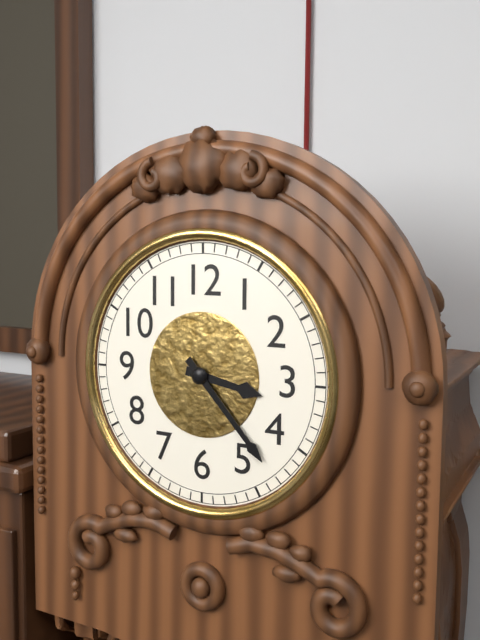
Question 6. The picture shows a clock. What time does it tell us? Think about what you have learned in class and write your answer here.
3:23
